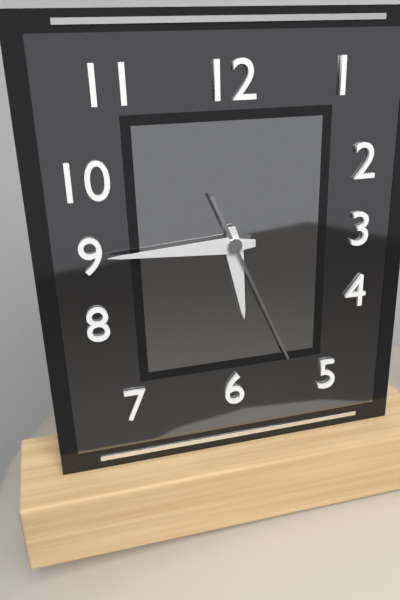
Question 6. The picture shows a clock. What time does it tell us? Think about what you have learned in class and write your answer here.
5:45:26
